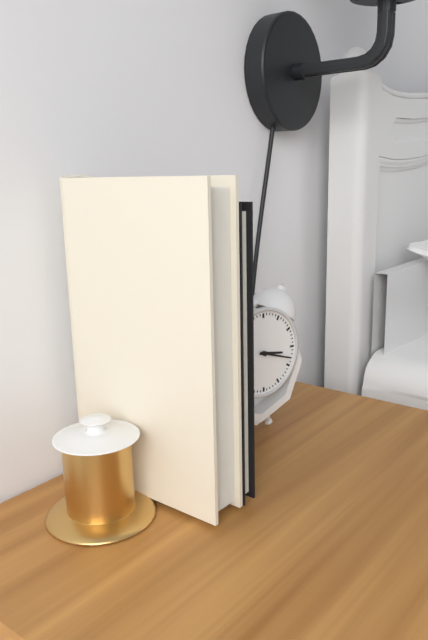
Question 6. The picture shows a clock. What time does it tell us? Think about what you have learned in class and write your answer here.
3:18
